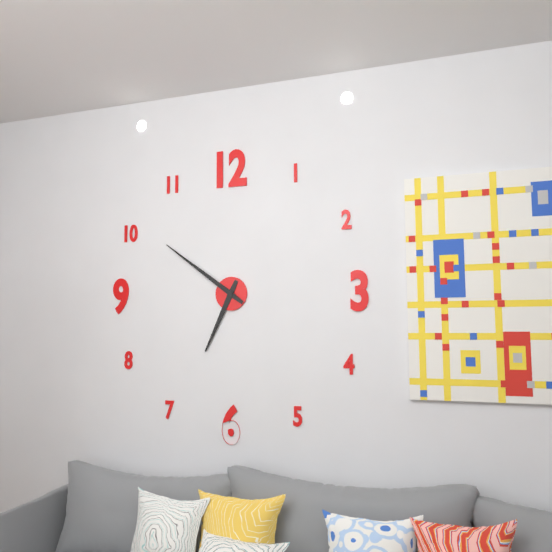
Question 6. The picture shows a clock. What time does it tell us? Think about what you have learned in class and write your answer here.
6:51
